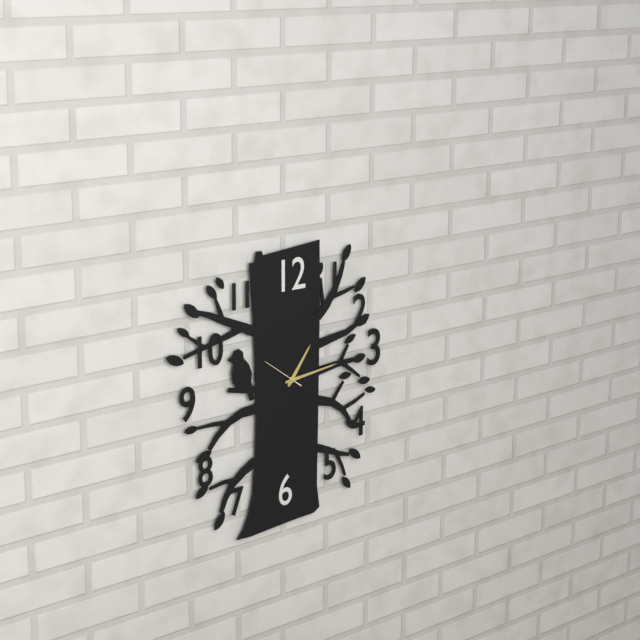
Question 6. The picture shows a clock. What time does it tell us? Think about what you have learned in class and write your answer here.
1:14
